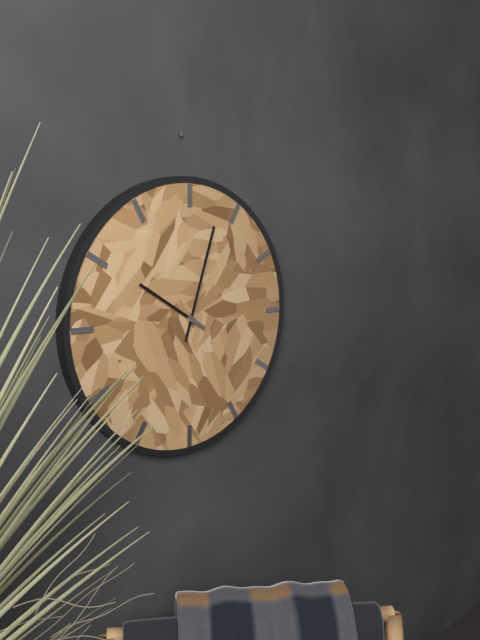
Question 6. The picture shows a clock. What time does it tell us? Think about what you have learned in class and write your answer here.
10:03
